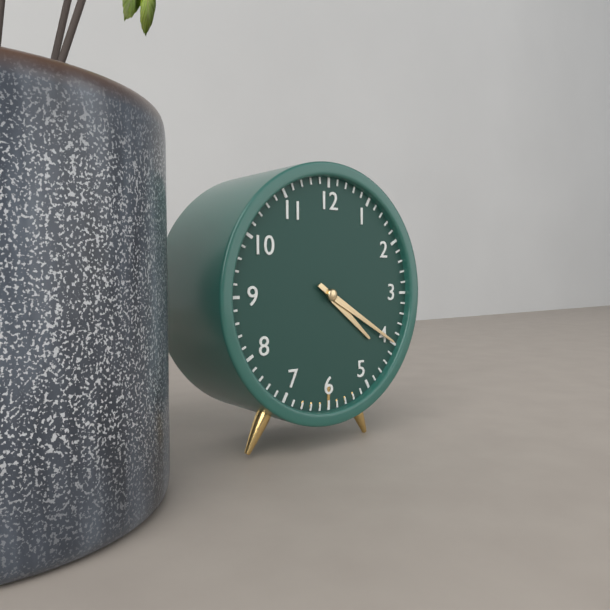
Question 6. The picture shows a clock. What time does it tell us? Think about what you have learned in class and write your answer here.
4:20
